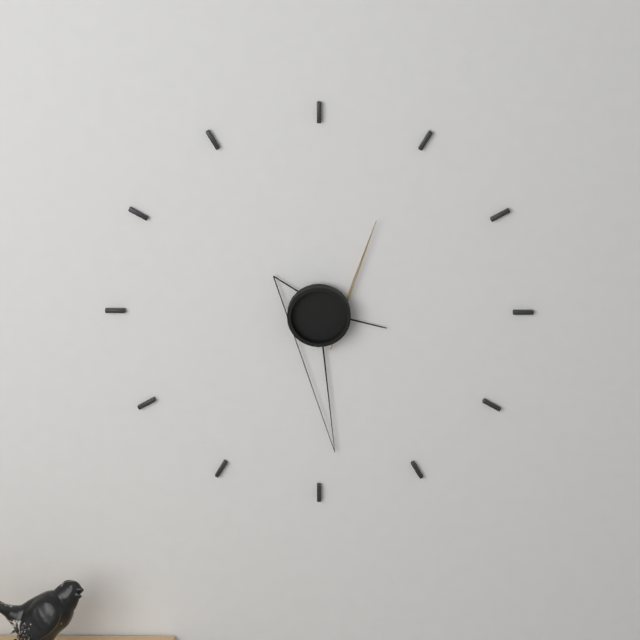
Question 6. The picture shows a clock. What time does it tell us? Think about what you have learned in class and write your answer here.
3:29:05
